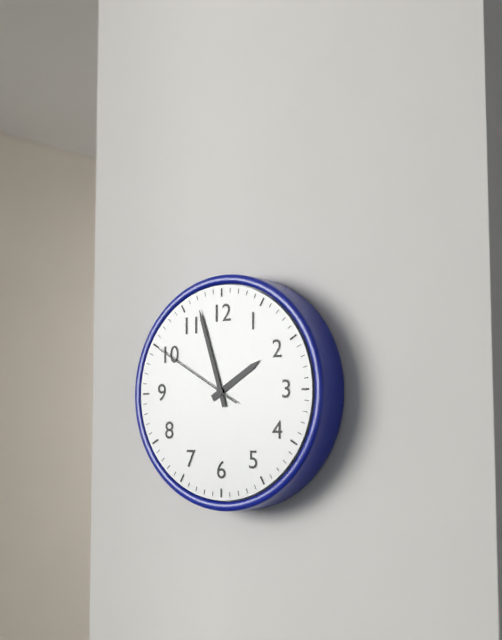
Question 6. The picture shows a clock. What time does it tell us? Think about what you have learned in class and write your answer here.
1:57:50
